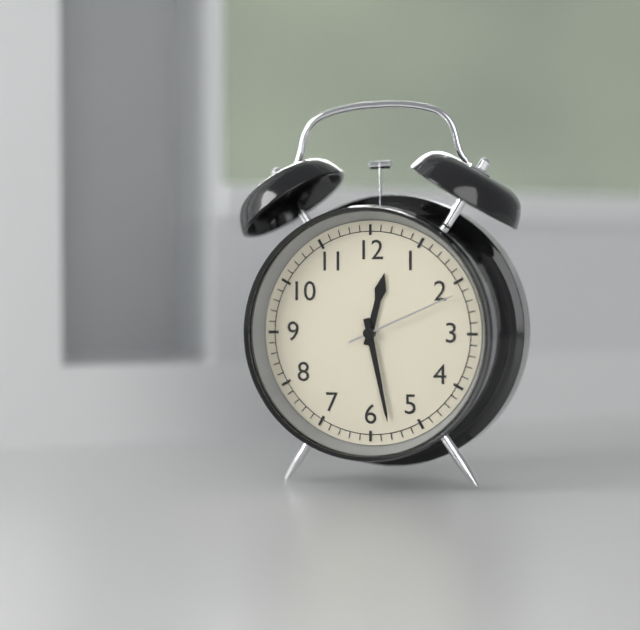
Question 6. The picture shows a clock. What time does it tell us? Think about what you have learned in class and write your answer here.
12:28:11
